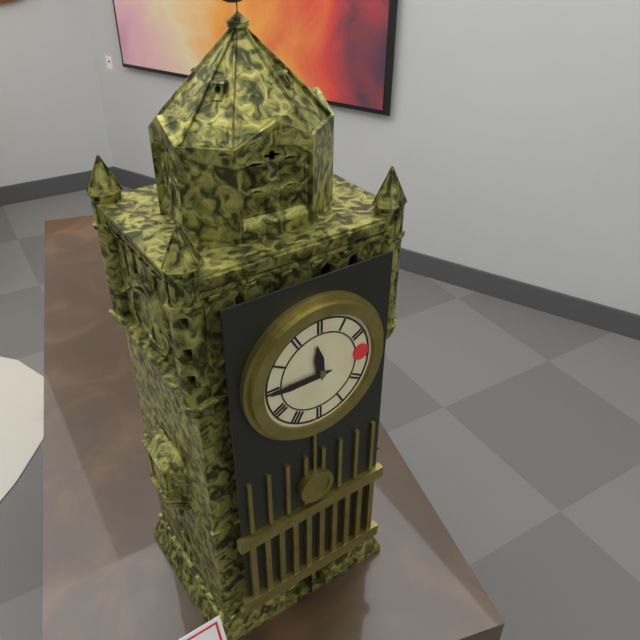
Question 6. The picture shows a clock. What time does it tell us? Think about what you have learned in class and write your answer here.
11:45
